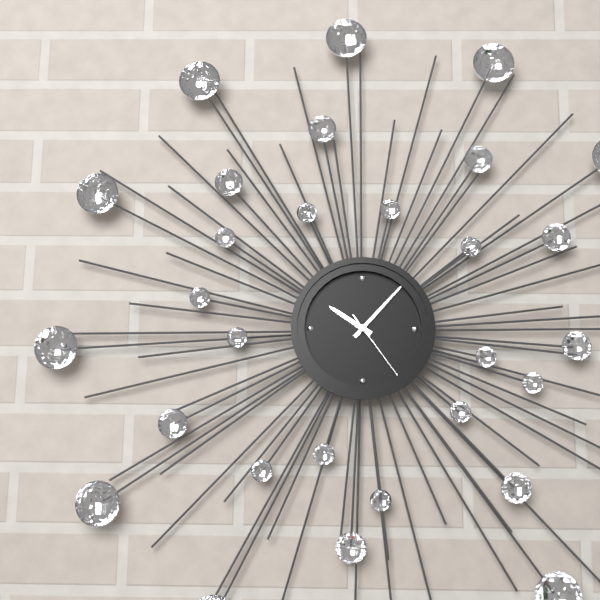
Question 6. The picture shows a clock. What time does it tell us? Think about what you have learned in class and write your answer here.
10:07:24
